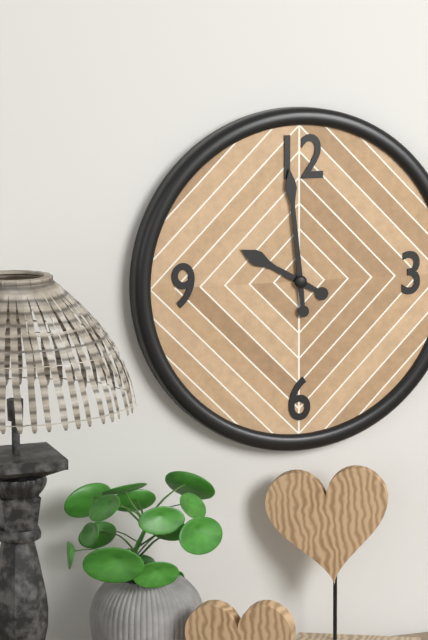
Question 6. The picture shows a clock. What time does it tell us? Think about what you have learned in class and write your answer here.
9:59
